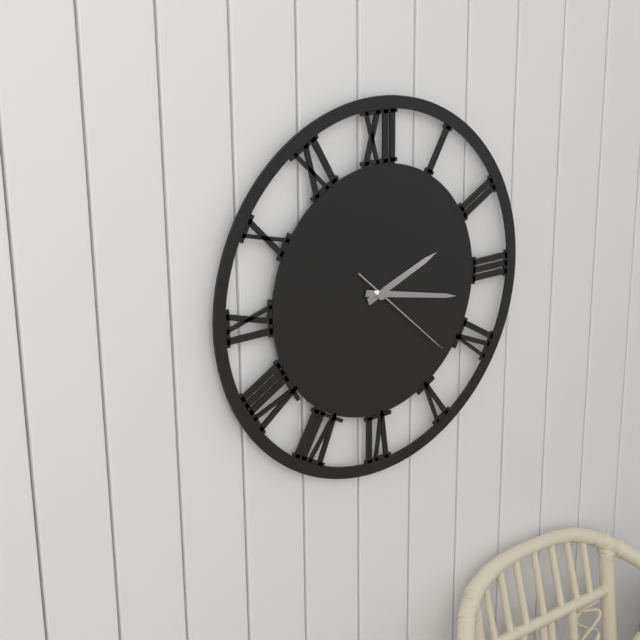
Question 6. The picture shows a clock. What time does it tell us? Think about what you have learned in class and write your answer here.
2:17:22
